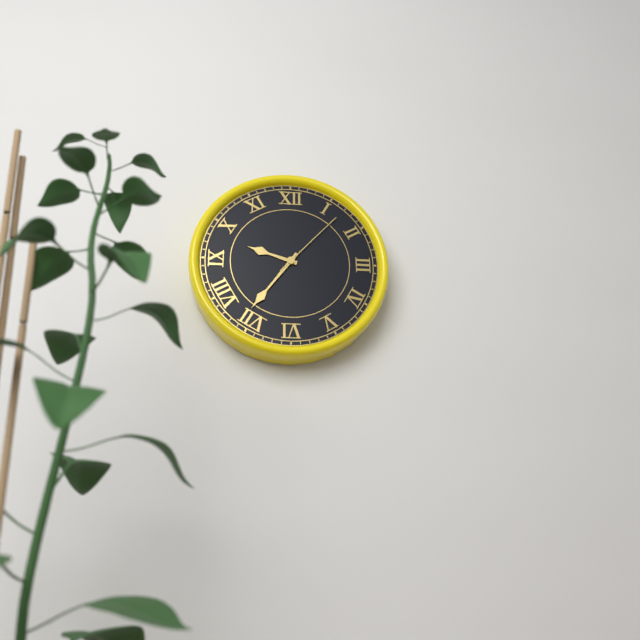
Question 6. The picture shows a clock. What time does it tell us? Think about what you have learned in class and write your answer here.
9:36:07
